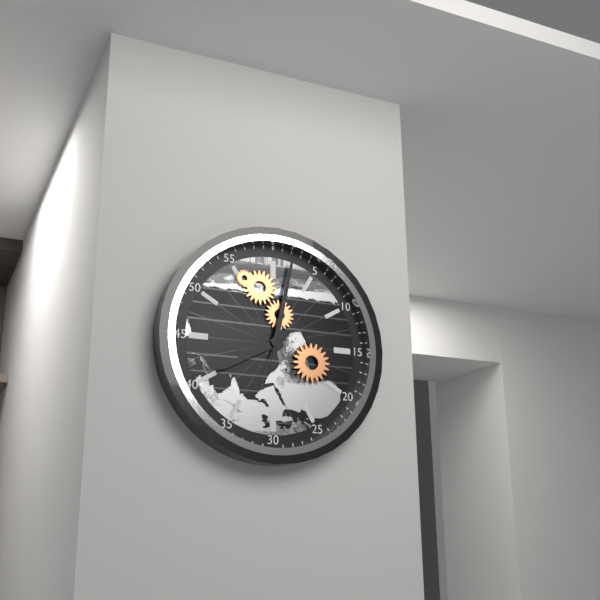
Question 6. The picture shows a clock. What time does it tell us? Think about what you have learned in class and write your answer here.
8:02
